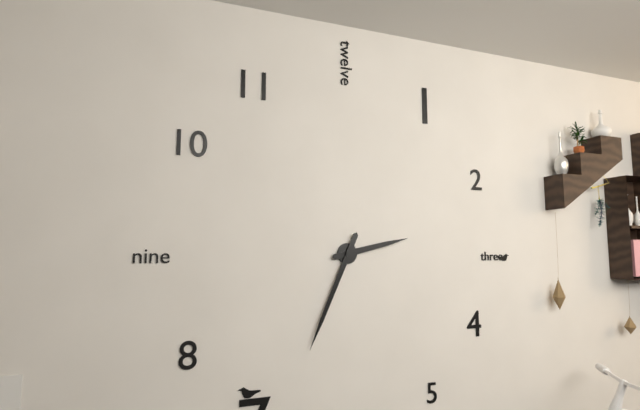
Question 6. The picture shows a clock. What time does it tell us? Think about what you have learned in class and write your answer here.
2:34
